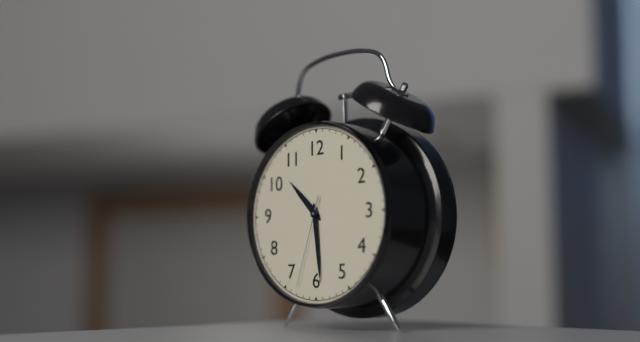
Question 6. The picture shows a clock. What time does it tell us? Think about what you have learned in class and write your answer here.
10:29:33
